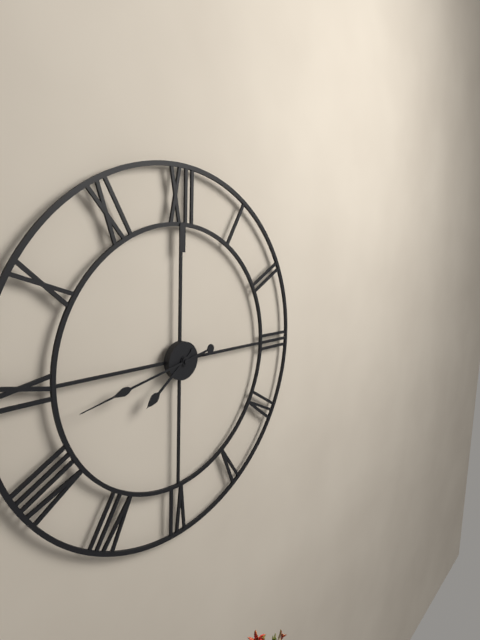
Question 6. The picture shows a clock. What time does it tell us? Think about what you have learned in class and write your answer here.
7:43
